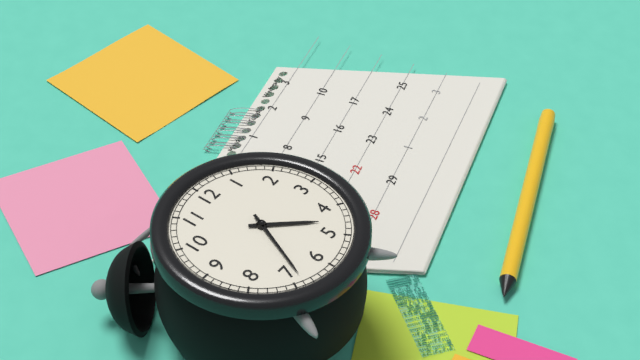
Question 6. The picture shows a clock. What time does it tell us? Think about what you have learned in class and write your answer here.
4:34
